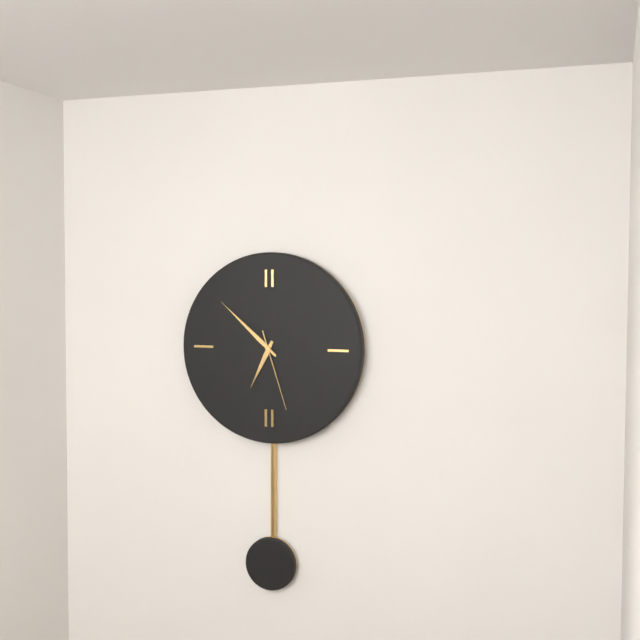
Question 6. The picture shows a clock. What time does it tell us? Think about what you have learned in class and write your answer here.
6:52:27
